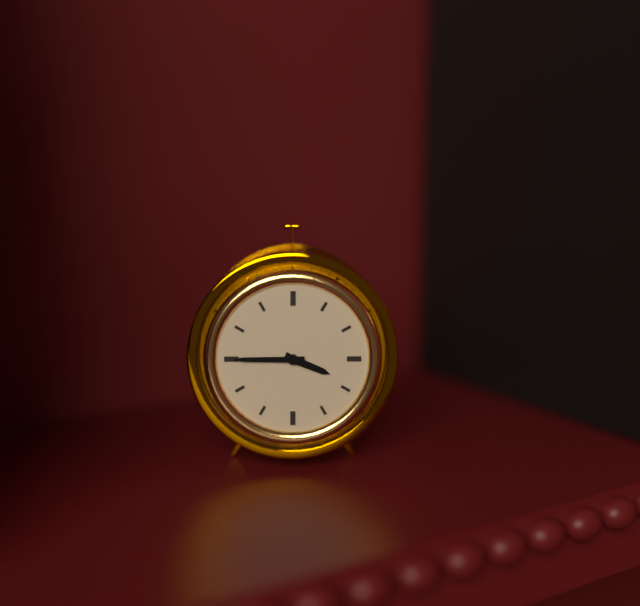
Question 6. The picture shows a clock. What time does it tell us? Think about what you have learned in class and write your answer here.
3:45
